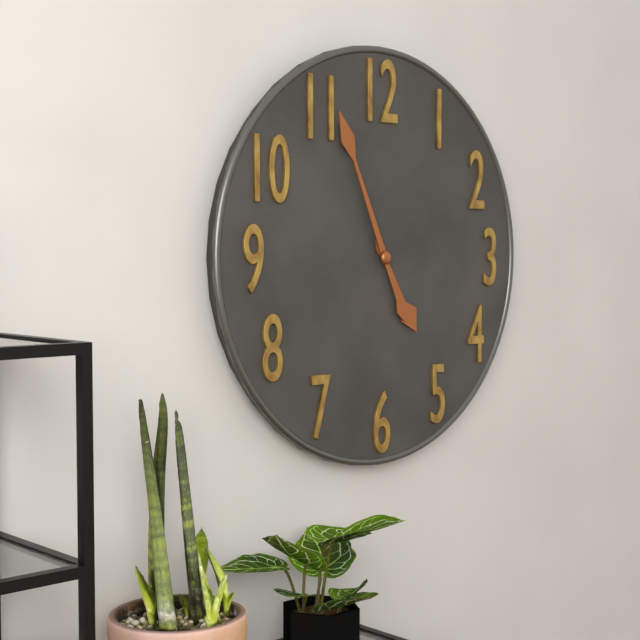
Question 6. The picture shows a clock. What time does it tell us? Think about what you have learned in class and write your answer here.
4:56
